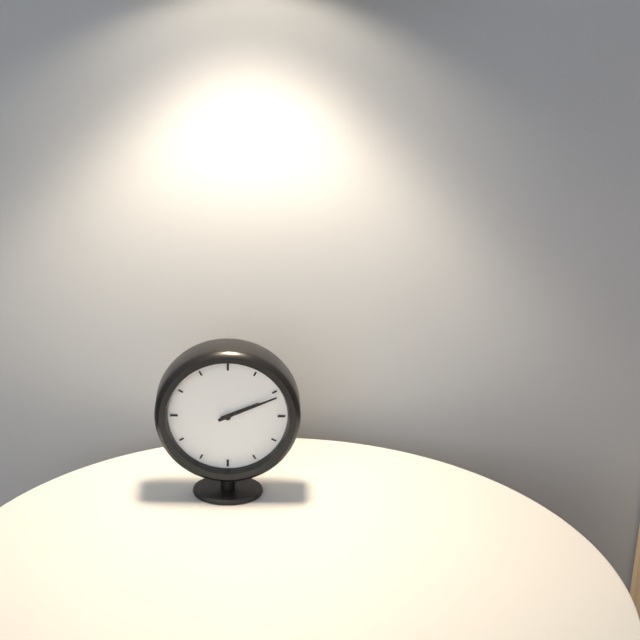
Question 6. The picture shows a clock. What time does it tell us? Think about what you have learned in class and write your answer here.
2:11
